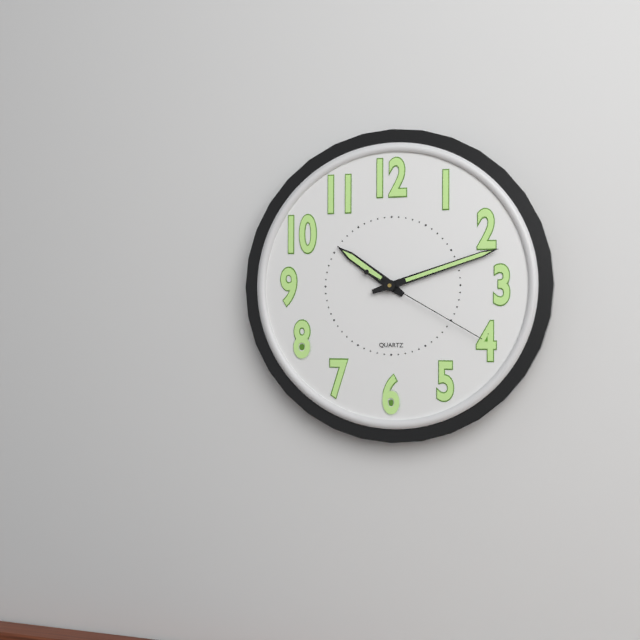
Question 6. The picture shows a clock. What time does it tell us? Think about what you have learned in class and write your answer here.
10:12:20
